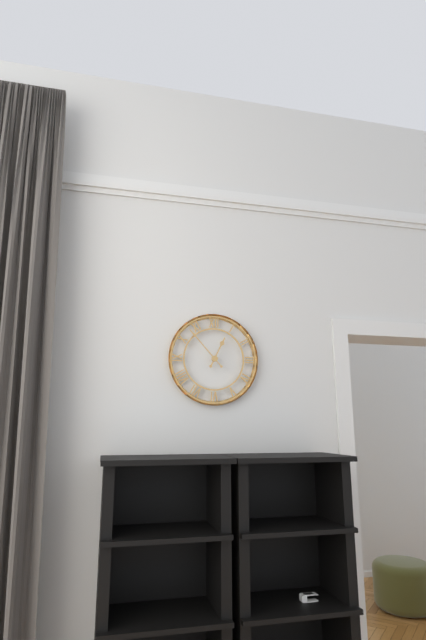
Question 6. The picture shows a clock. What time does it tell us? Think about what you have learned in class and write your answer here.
12:53
